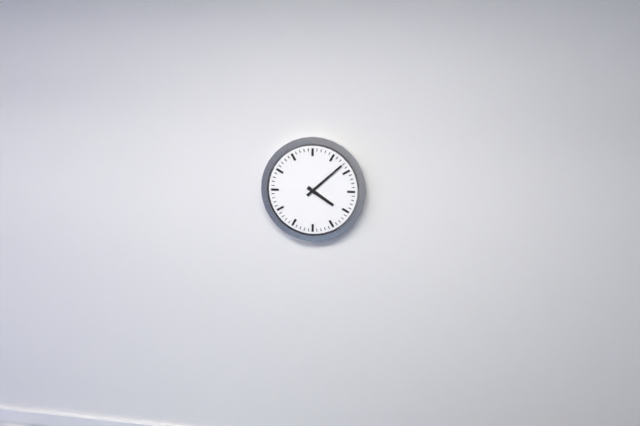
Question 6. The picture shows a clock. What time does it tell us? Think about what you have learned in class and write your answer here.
4:08
